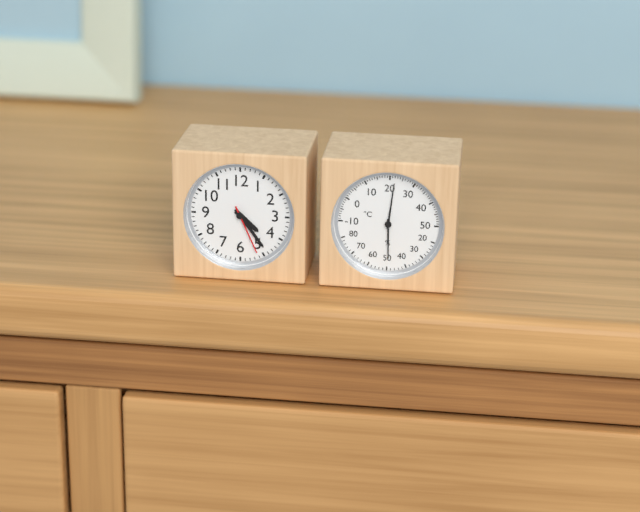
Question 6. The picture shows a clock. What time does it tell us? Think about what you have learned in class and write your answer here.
4:24
